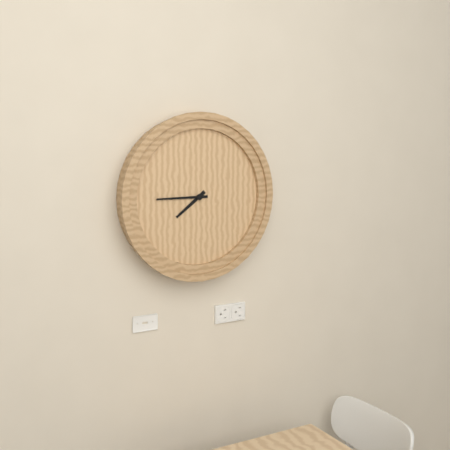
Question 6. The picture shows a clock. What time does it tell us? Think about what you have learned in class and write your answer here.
7:45
